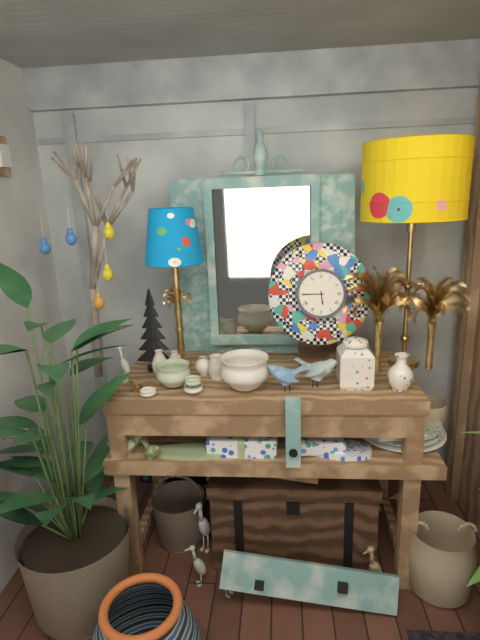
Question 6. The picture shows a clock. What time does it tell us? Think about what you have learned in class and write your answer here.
5:45
